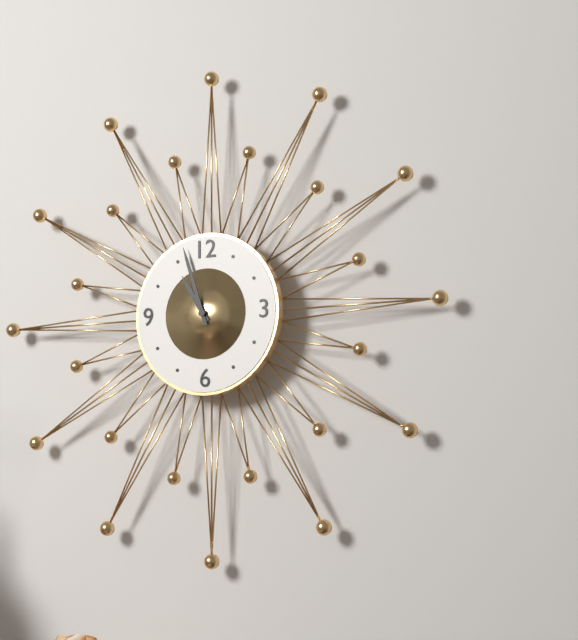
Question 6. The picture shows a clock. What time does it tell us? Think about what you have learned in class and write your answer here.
10:57
